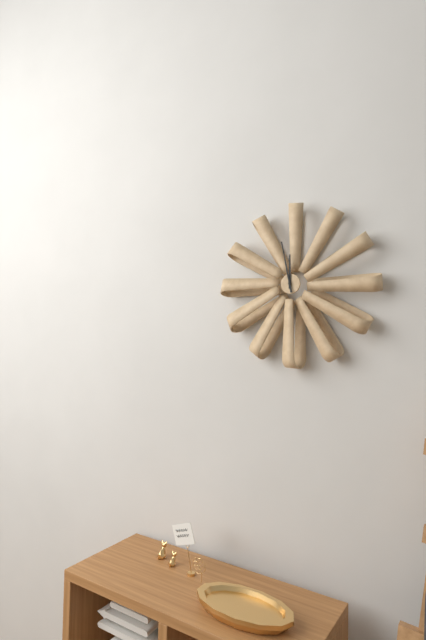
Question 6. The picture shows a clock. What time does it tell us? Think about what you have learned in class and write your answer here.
11:58
